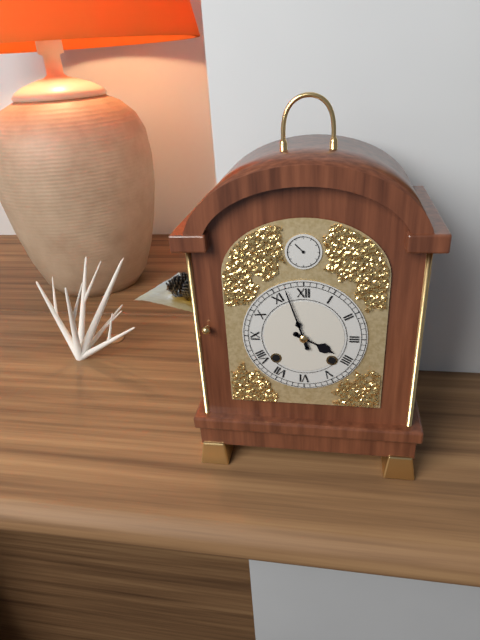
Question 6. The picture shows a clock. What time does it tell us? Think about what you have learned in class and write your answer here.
3:57
